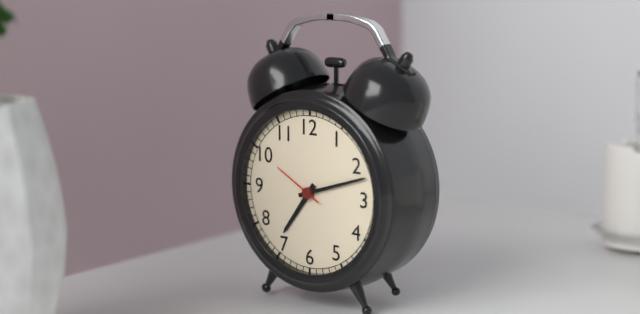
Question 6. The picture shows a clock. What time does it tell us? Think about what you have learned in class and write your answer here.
7:12:50
